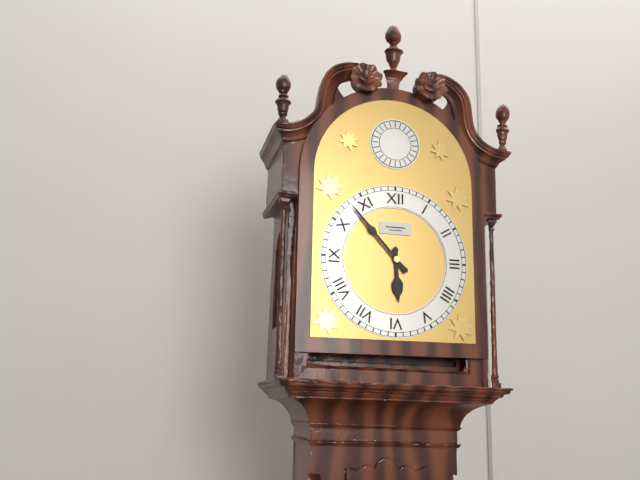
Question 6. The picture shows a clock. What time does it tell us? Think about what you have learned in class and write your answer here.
5:53
